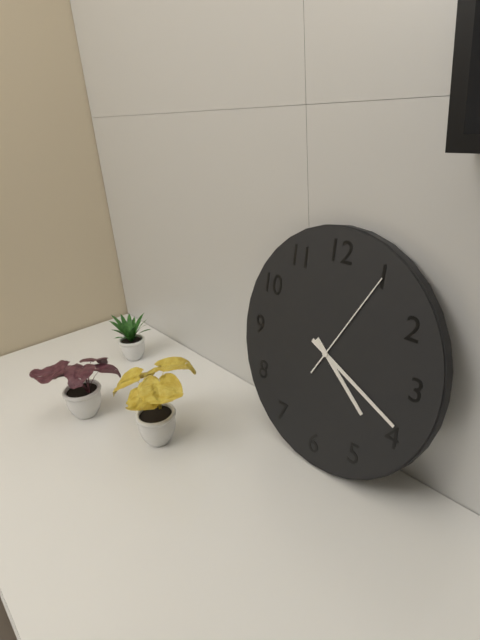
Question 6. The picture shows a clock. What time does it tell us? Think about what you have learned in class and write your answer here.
4:19:05
